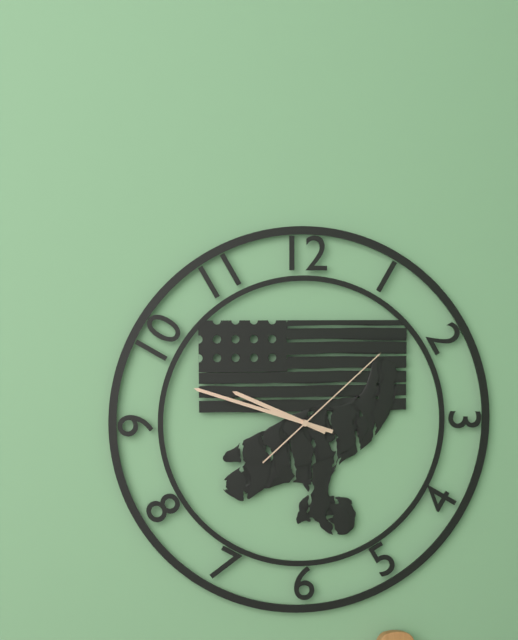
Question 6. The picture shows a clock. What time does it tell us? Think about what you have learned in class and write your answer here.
9:48:08
